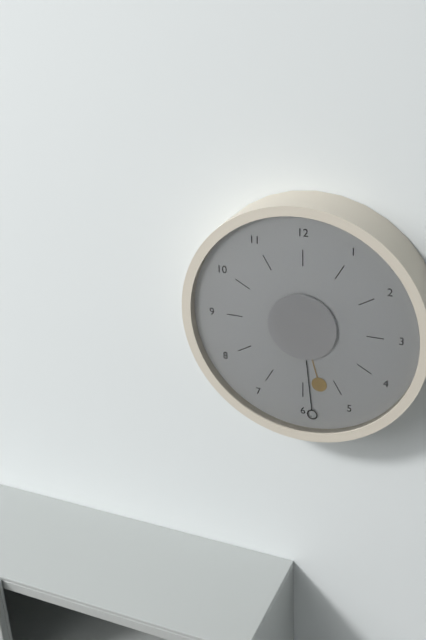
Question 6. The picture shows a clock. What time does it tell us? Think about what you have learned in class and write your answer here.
5:29
